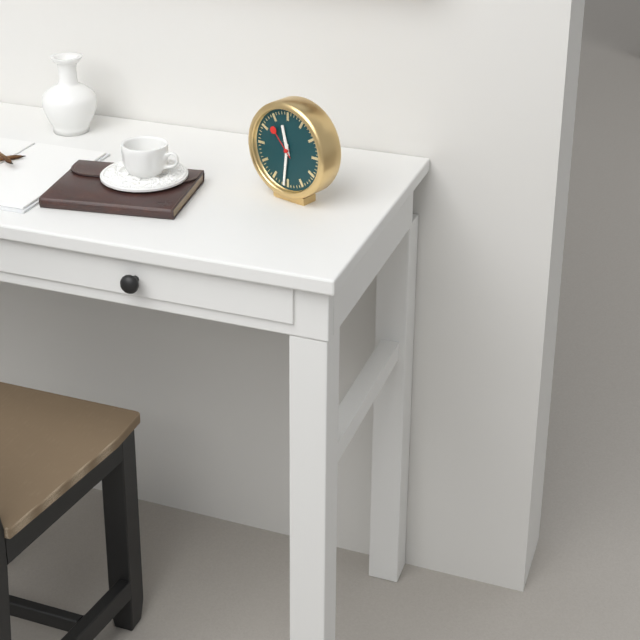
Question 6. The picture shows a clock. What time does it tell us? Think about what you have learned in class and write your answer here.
11:31
